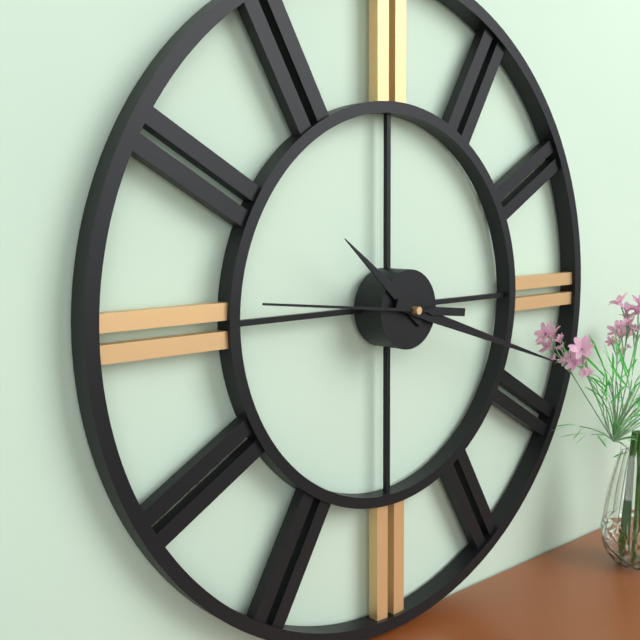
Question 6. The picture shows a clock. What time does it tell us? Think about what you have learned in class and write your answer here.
10:18:46
